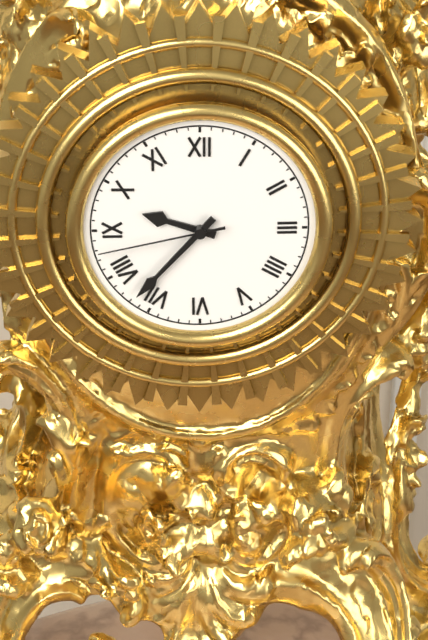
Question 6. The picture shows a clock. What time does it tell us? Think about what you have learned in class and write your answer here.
9:37:43
